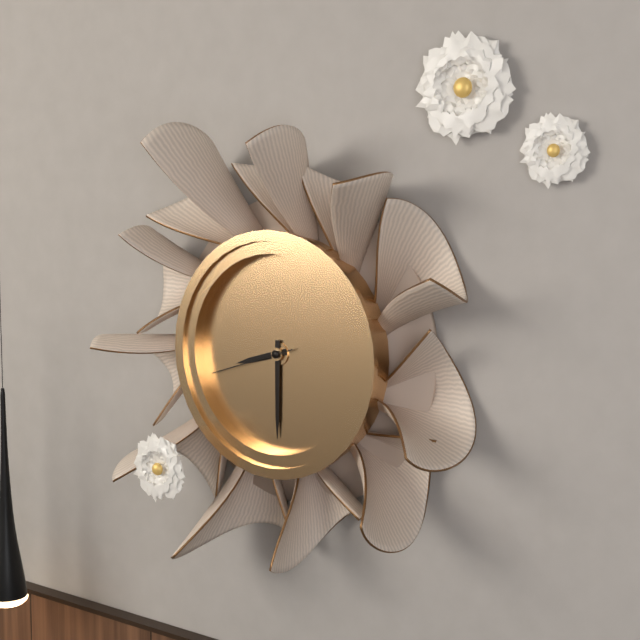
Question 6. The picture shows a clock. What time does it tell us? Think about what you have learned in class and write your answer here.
8:30:42
